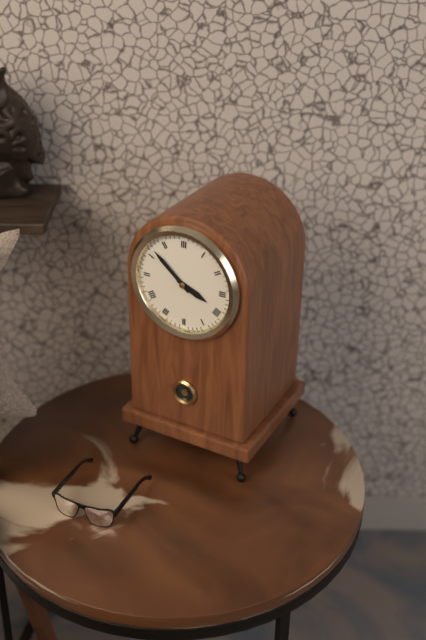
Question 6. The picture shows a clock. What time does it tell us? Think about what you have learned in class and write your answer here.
3:52
